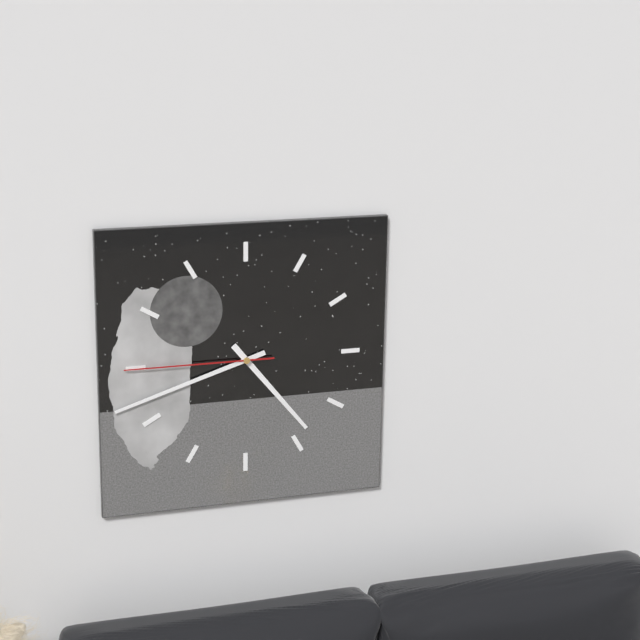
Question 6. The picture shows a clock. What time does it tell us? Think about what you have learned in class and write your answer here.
4:42:45
